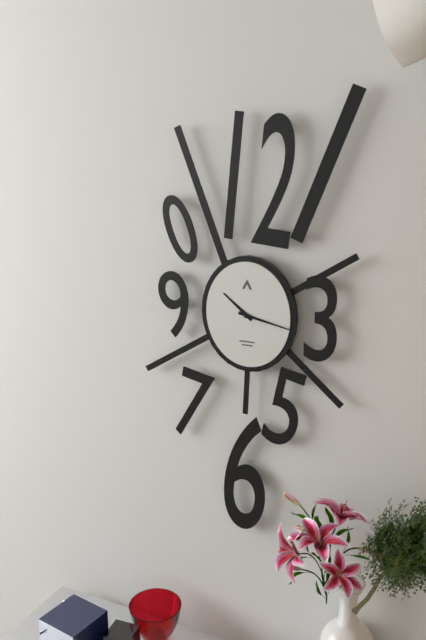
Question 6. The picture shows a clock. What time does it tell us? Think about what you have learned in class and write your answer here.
10:17
